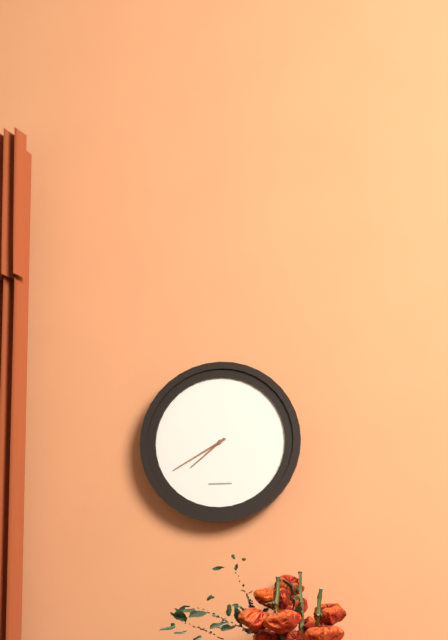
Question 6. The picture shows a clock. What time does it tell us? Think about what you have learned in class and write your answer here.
7:40
